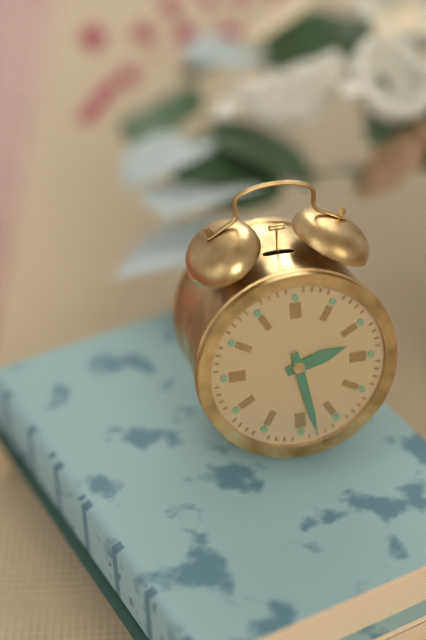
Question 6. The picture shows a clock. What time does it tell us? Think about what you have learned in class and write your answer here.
2:28
